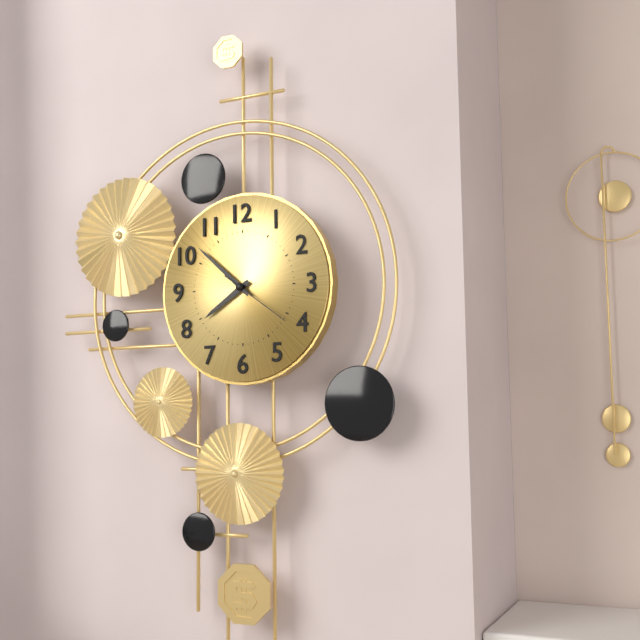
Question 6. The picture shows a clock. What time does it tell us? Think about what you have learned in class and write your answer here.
7:52:21
